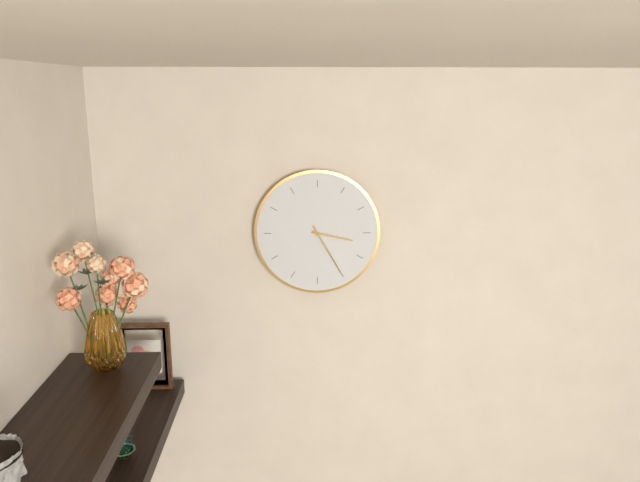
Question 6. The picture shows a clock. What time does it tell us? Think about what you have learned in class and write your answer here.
3:25
